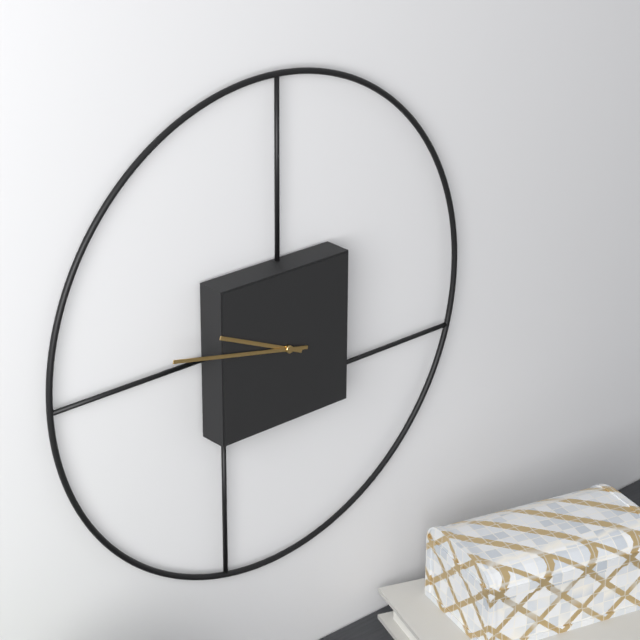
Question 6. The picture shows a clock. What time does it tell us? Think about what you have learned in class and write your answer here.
9:47
